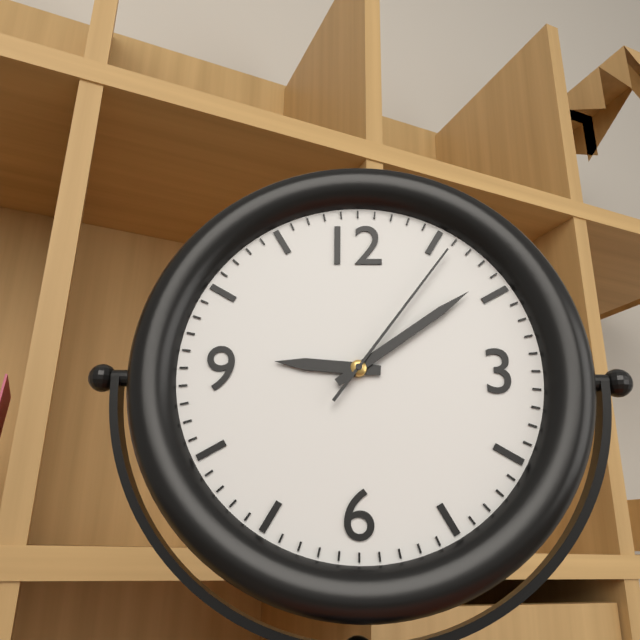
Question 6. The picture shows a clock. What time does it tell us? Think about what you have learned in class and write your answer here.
9:09:06
